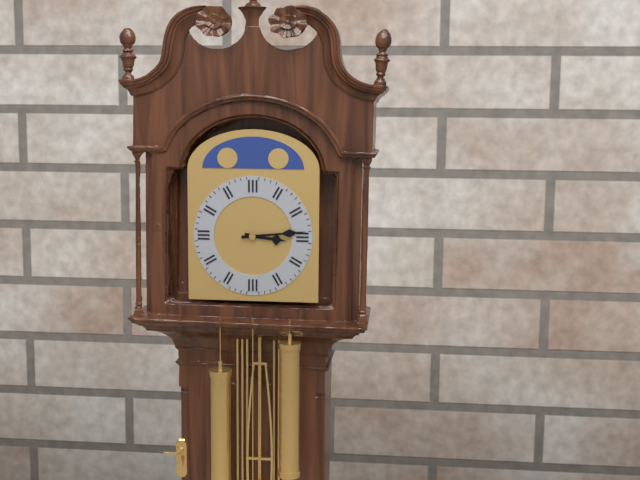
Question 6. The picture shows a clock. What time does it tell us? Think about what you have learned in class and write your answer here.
3:14
